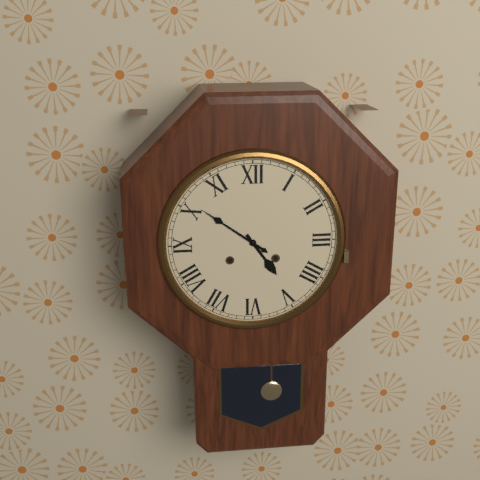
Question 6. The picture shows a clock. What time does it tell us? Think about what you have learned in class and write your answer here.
4:51
